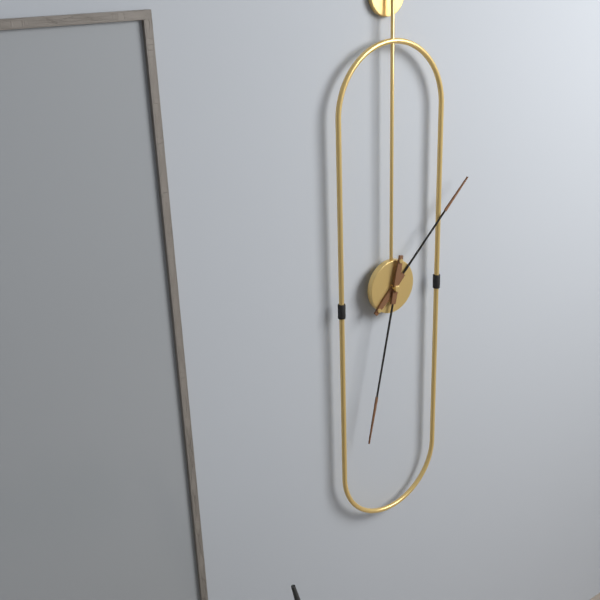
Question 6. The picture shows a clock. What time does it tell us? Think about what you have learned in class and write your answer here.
1:32
